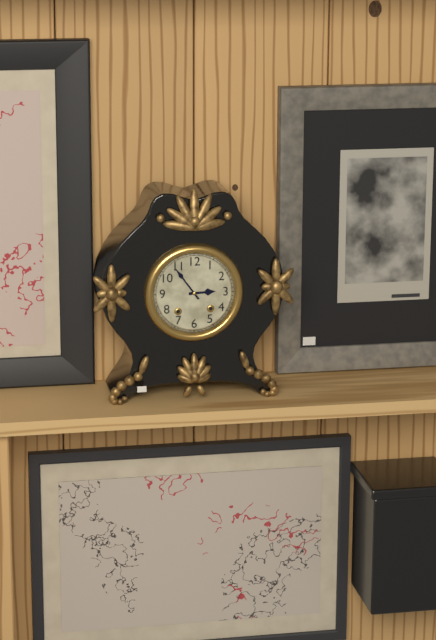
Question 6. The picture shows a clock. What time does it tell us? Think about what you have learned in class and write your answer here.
2:54
